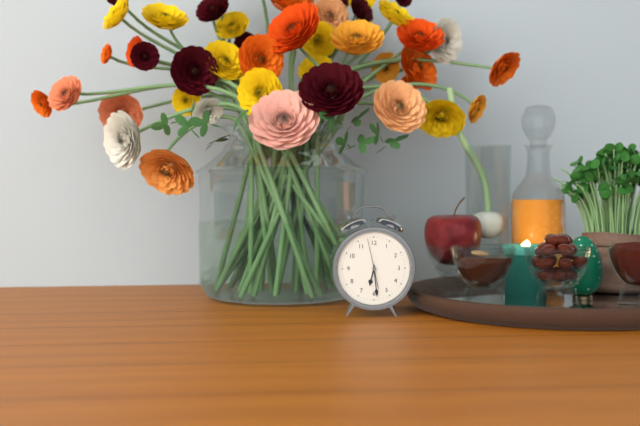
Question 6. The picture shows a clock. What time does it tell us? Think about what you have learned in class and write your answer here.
6:29
